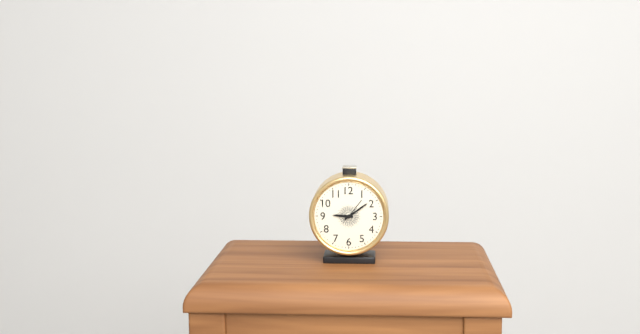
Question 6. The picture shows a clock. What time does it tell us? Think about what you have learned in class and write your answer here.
9:09
